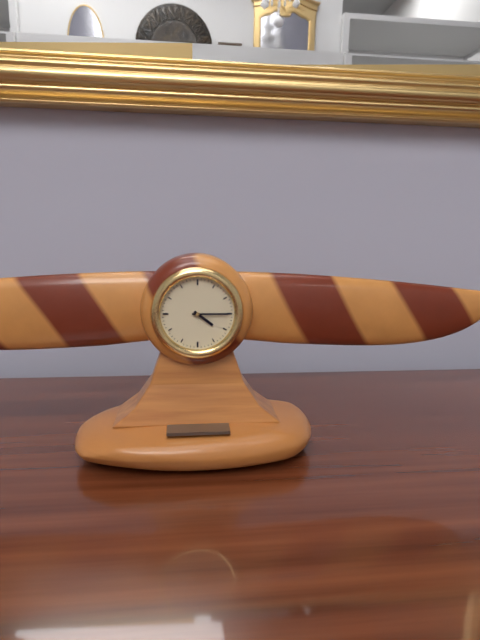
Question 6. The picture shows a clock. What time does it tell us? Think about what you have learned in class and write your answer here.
4:15
